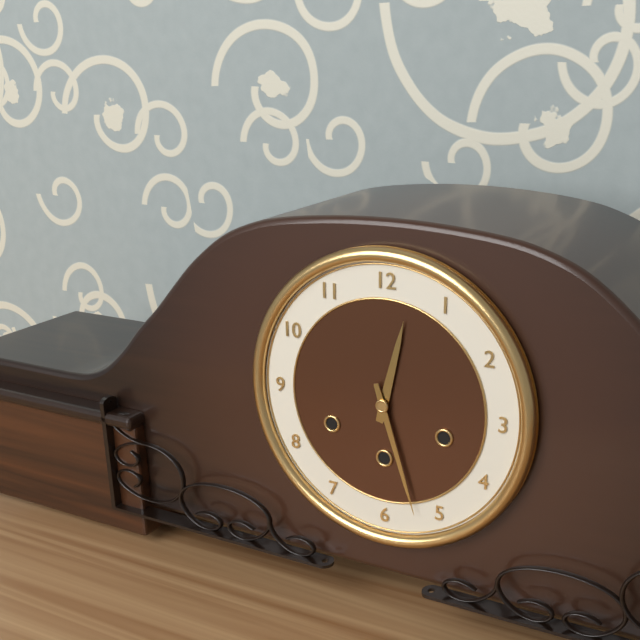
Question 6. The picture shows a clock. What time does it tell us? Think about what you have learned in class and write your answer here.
12:27
